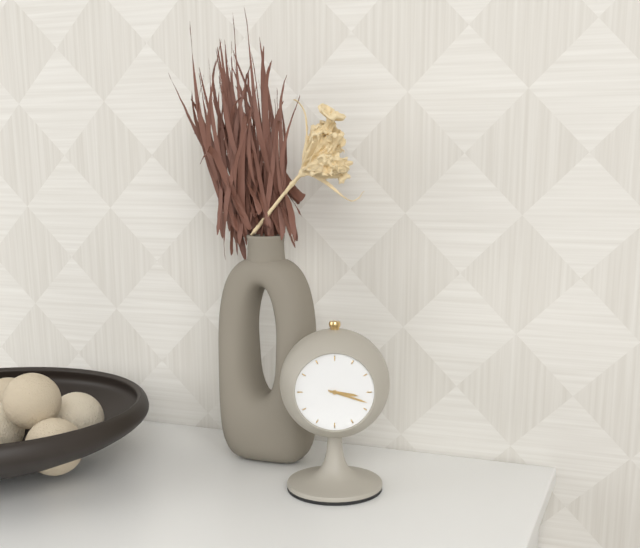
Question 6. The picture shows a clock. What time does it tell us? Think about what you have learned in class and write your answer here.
3:18
